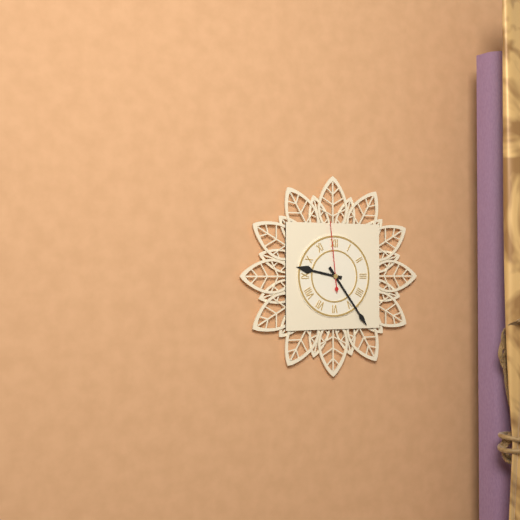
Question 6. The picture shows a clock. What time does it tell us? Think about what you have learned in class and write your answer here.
9:24:59
